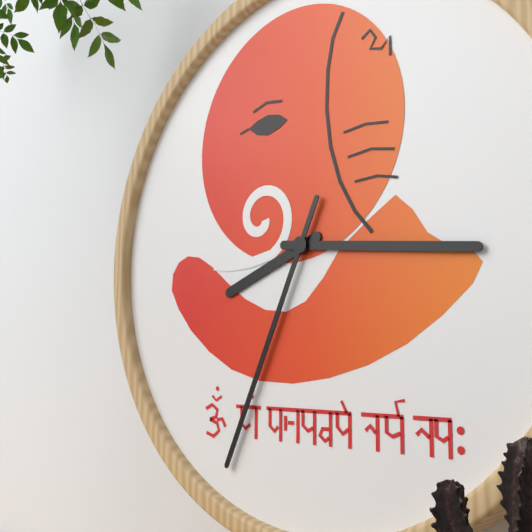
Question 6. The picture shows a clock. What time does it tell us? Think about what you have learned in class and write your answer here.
8:16:34
